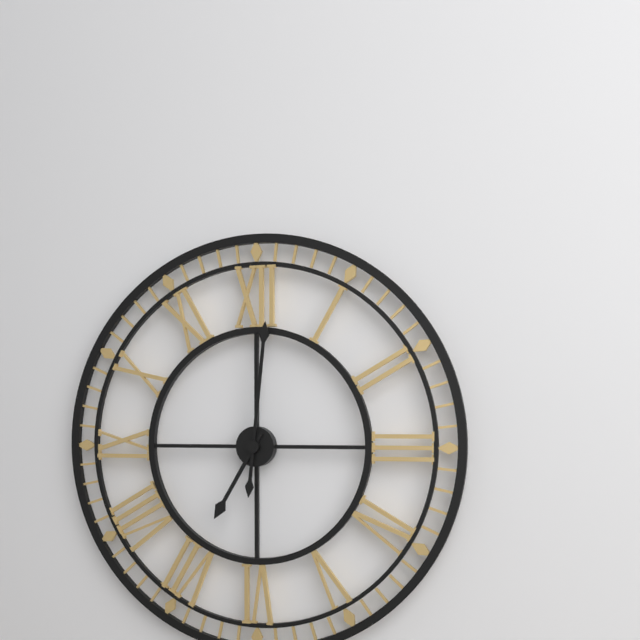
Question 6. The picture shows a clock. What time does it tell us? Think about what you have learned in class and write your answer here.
7:01
